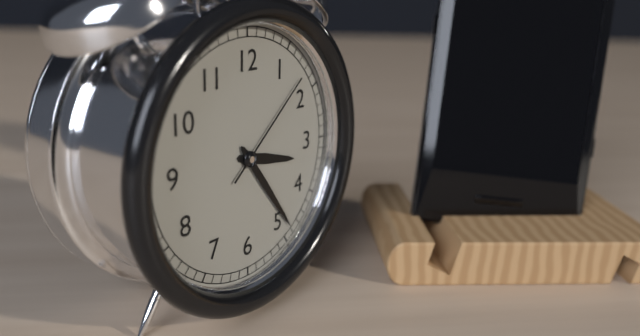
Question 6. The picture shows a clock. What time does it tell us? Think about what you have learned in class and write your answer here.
3:24:08
